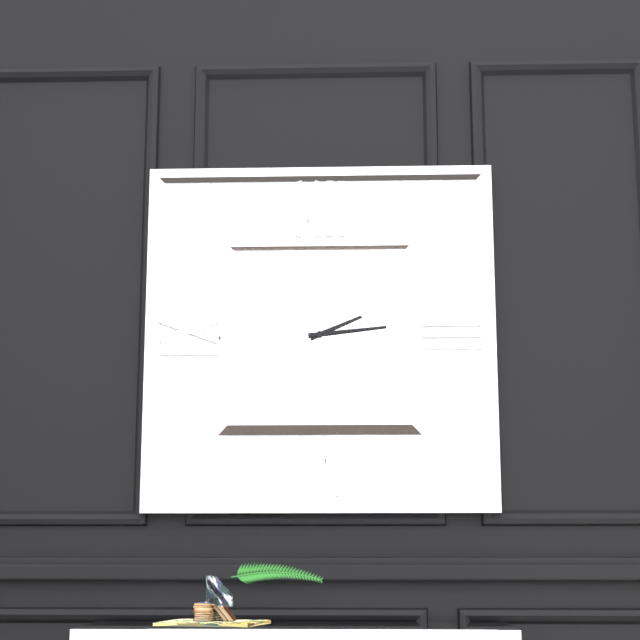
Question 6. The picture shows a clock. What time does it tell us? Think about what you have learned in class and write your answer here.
2:14
